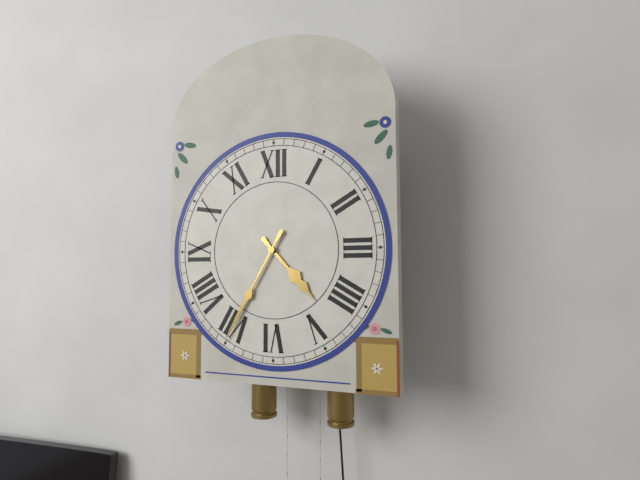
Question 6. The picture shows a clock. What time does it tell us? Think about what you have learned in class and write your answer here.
4:35
